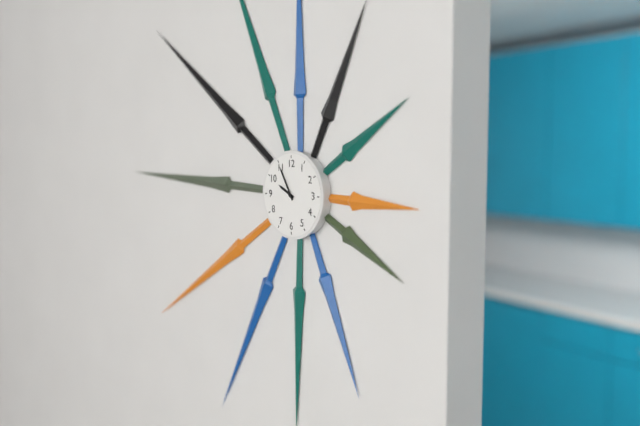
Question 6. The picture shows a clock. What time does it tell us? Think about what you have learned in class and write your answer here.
9:55
